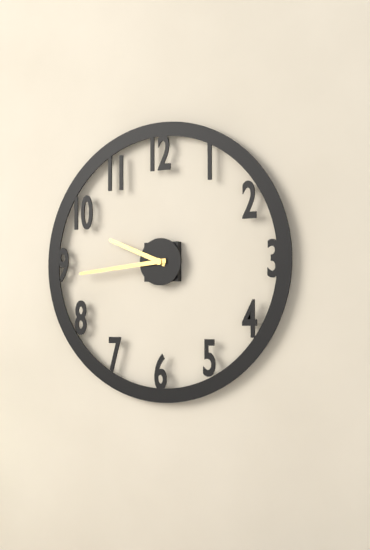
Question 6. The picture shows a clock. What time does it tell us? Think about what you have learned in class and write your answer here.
9:44
